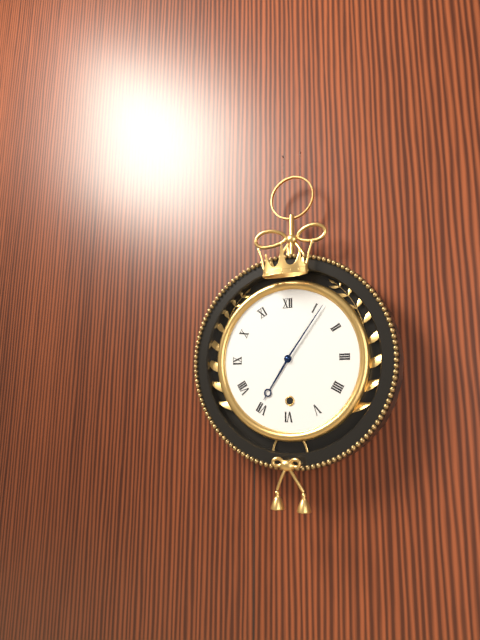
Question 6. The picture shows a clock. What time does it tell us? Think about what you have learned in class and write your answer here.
7:06
